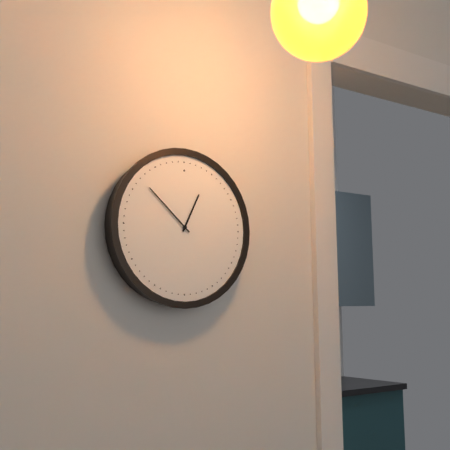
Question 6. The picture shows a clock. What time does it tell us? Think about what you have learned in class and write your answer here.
12:52
